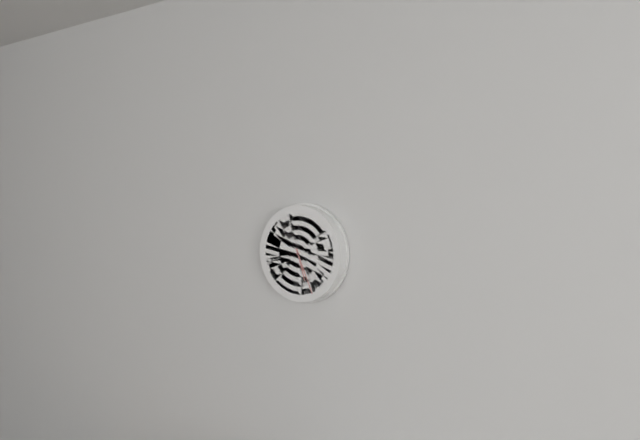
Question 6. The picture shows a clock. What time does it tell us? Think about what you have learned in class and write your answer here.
5:26
